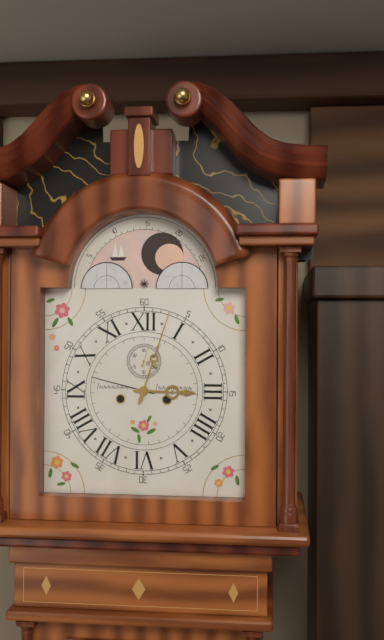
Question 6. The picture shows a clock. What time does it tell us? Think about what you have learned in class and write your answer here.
3:03
